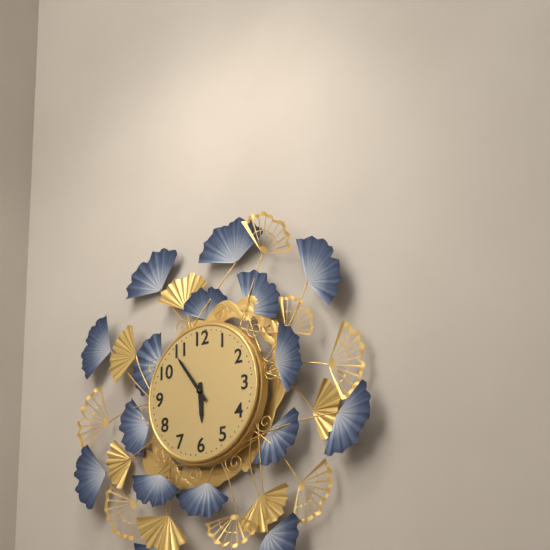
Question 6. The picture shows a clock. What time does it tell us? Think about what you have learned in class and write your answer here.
5:54
